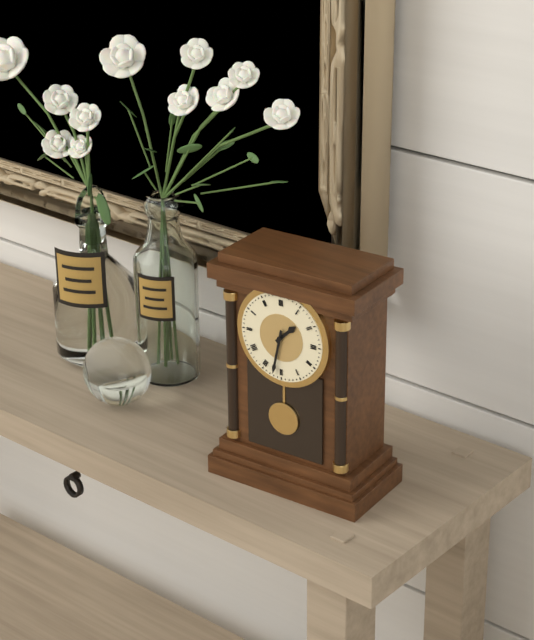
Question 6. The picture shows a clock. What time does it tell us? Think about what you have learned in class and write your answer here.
1:32
